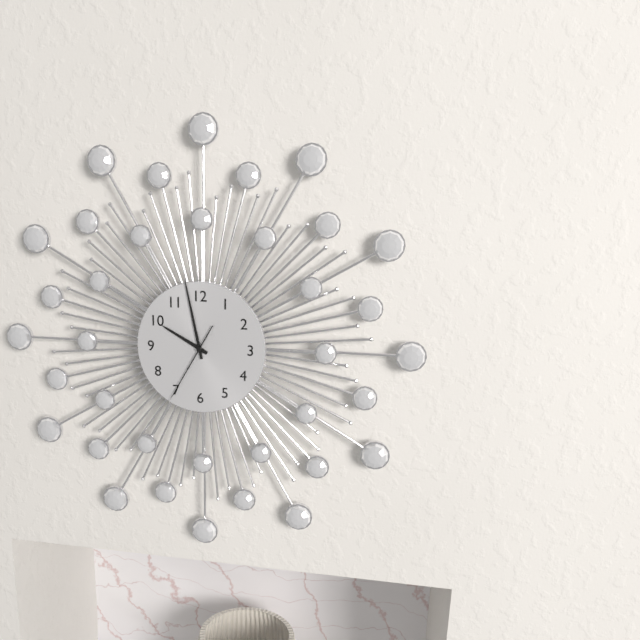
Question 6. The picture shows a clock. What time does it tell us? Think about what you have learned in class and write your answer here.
9:58:35
